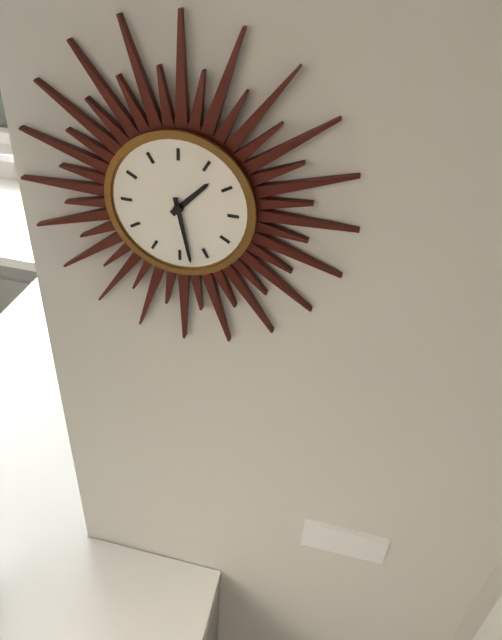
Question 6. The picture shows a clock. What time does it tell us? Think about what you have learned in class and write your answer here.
1:28
